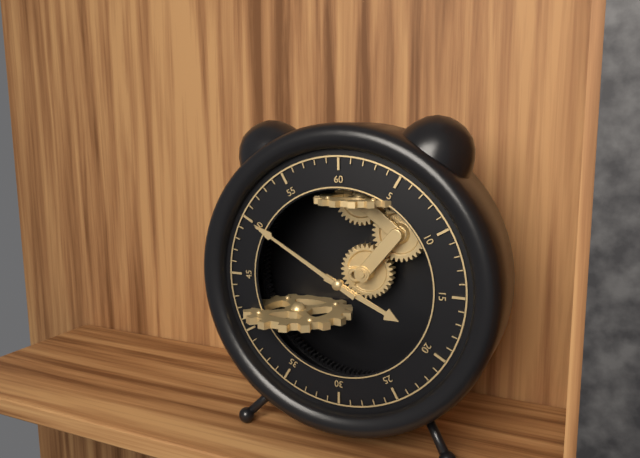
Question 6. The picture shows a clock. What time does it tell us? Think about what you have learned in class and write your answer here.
3:50
